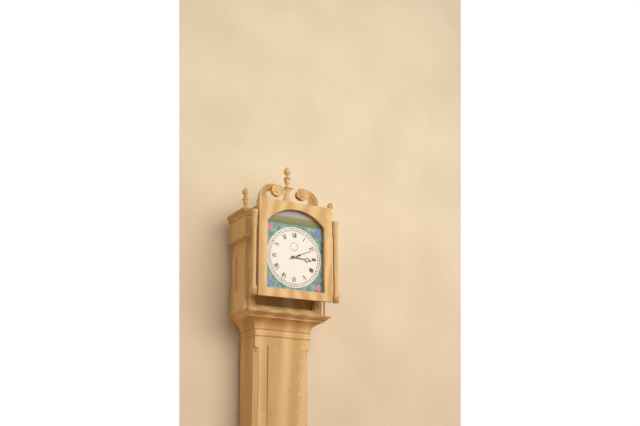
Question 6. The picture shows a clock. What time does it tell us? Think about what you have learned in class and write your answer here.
3:11
